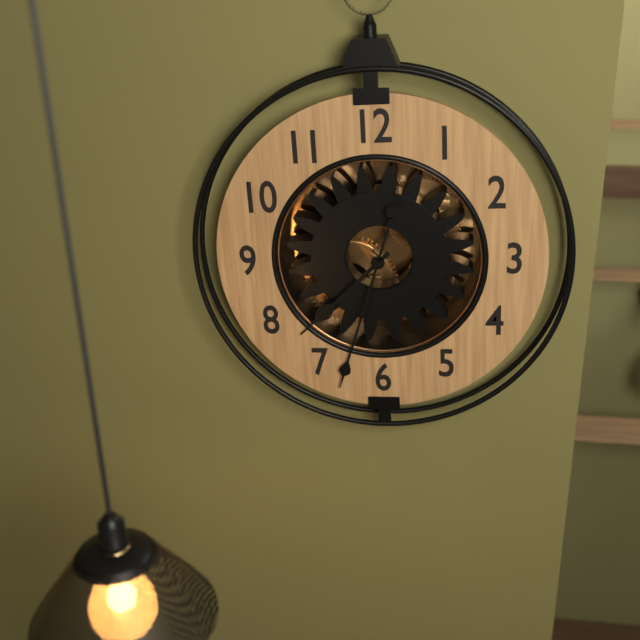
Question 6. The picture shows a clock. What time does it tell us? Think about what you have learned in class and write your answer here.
7:33
